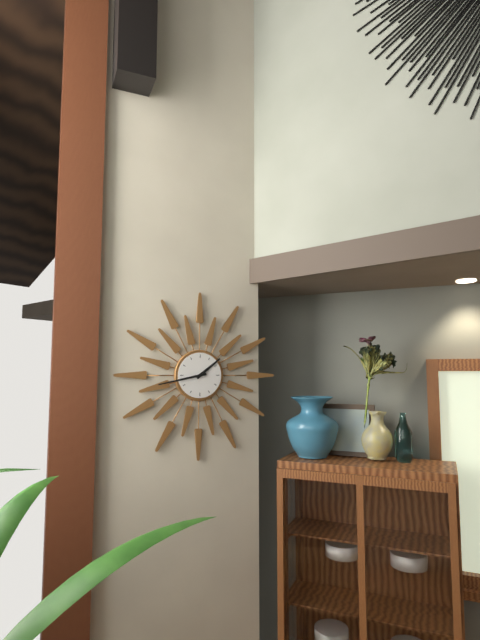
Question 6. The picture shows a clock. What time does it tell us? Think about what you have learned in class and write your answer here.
1:43
